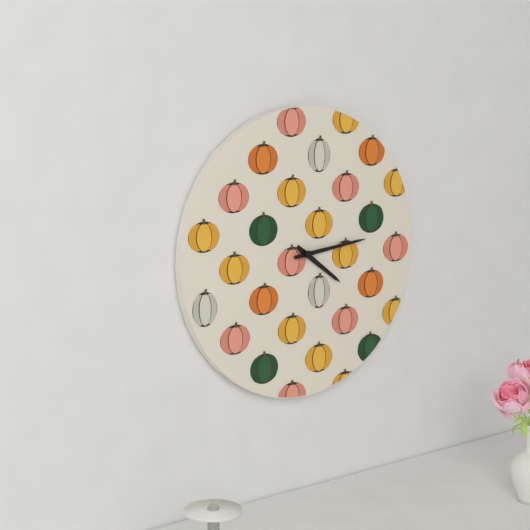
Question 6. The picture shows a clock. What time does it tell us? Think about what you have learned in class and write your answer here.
4:14
